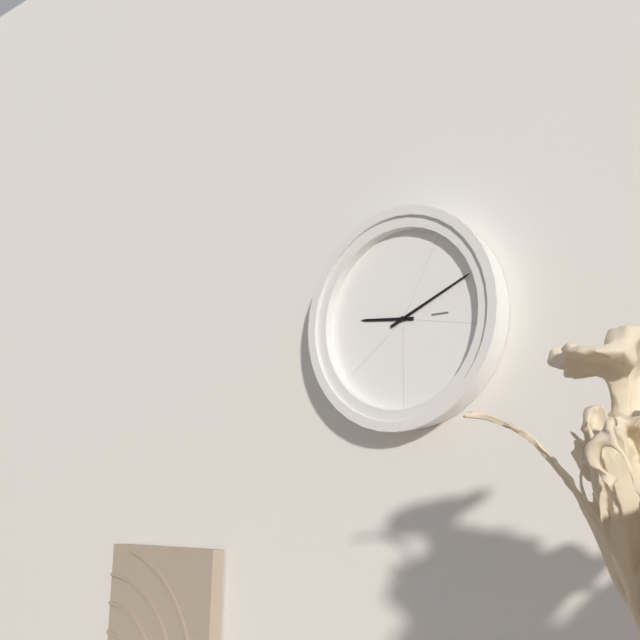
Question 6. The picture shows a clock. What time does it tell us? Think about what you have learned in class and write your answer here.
9:11
